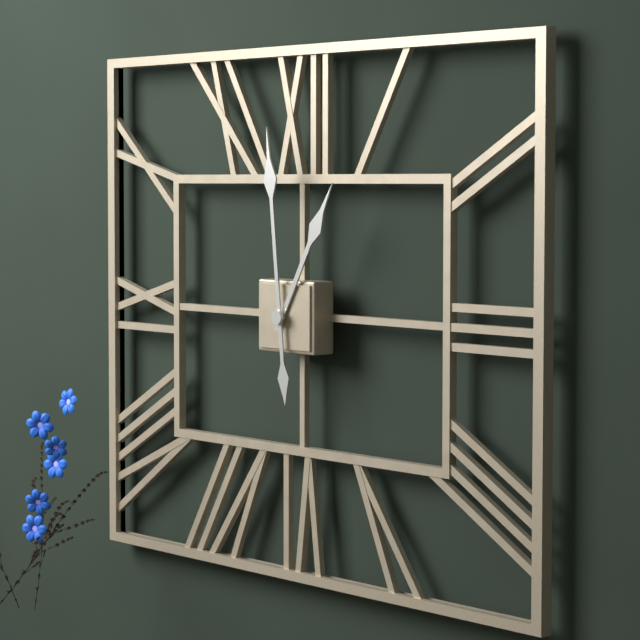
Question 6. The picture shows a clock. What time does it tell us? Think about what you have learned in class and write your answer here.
12:59
